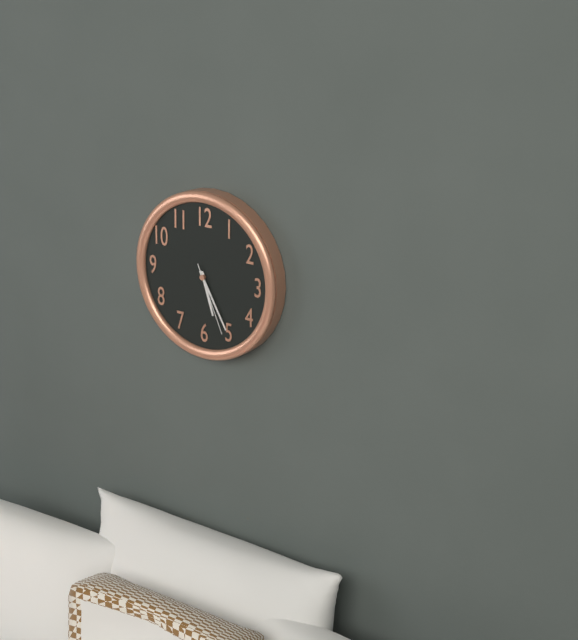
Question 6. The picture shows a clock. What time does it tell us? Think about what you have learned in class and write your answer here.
5:25:26
